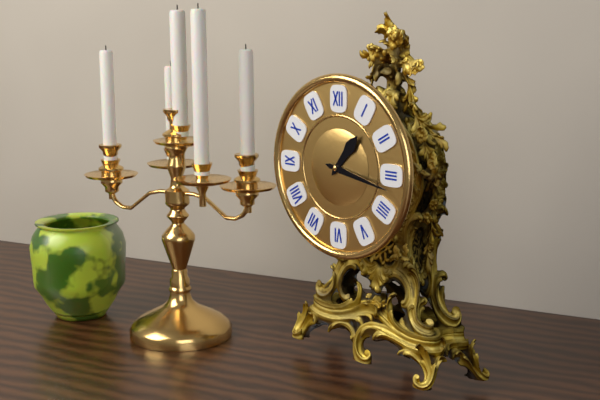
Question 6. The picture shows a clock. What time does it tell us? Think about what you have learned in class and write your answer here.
1:17
